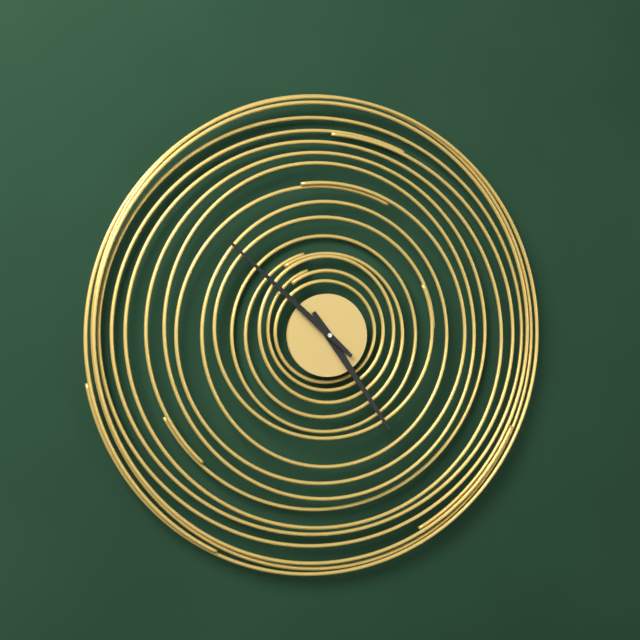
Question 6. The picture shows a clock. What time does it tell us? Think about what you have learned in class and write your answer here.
4:52
